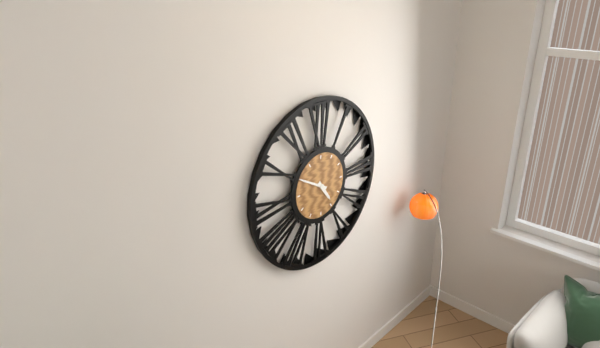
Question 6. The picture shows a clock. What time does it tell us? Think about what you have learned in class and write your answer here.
4:50
